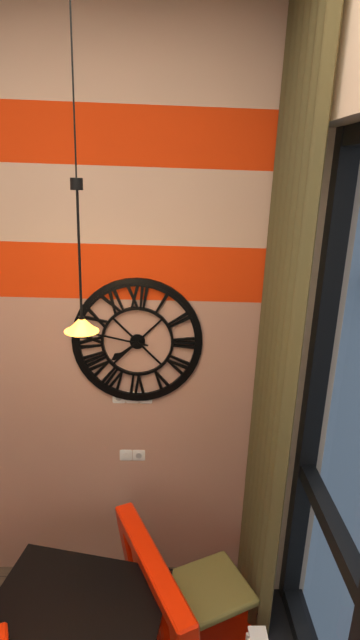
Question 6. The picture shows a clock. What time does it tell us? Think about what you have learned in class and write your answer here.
7:47
